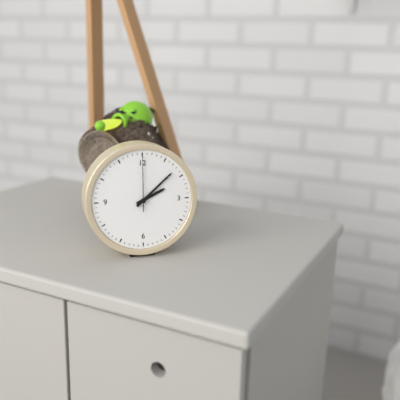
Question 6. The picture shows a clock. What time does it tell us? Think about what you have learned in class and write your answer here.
2:08:00
